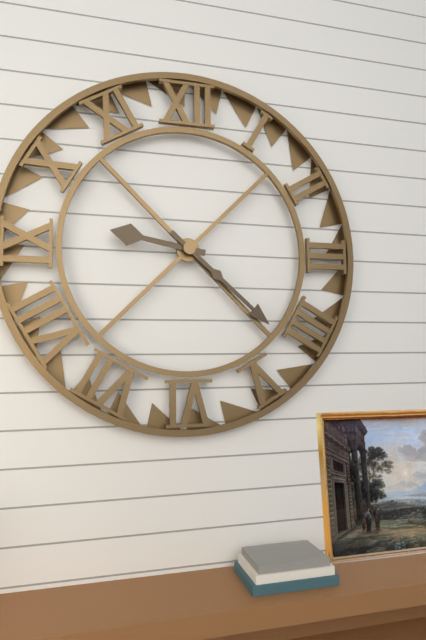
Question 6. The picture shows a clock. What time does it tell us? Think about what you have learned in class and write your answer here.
9:22
